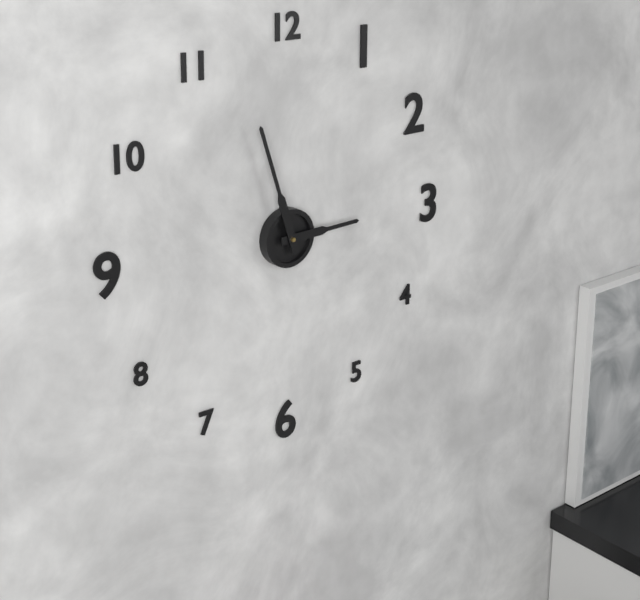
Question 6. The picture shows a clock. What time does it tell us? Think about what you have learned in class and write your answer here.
2:57
